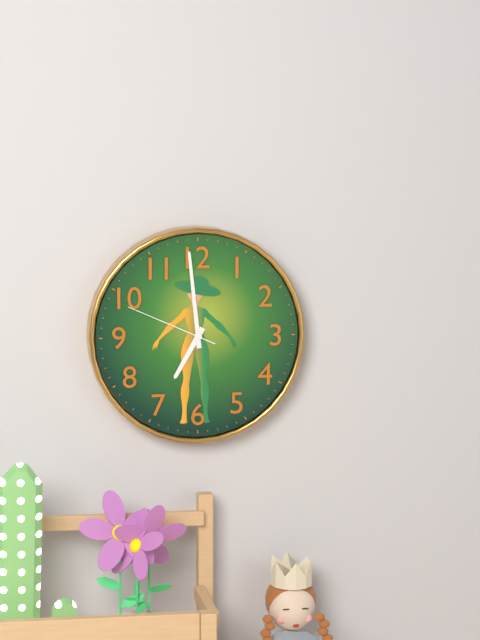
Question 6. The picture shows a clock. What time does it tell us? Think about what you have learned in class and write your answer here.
6:59:49
